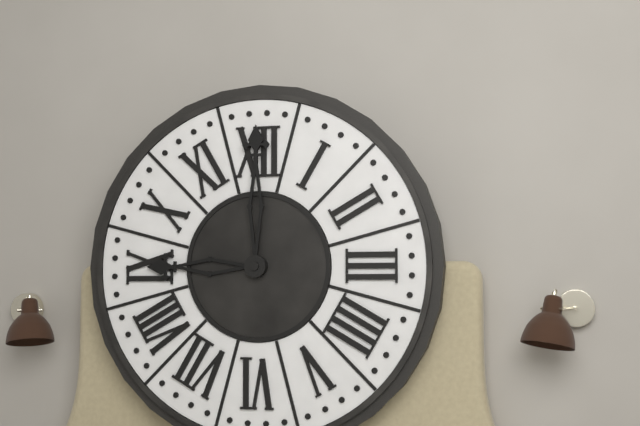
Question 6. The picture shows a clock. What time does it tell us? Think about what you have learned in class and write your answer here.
9:00
